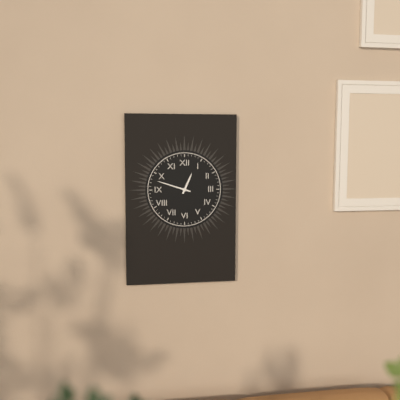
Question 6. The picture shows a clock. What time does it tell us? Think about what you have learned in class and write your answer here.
12:48
